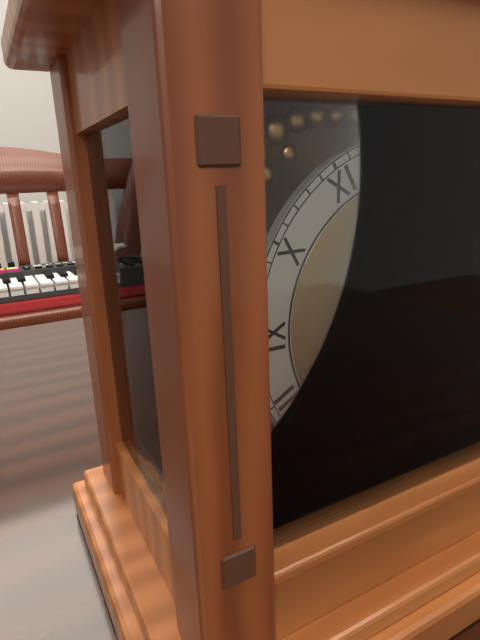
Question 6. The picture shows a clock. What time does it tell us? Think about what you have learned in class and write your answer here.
10:41
